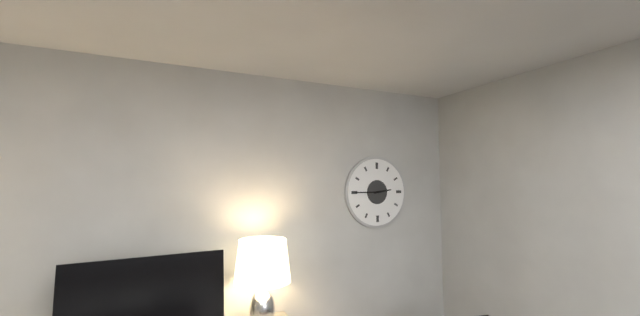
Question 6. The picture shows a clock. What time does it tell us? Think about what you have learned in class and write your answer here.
2:45
